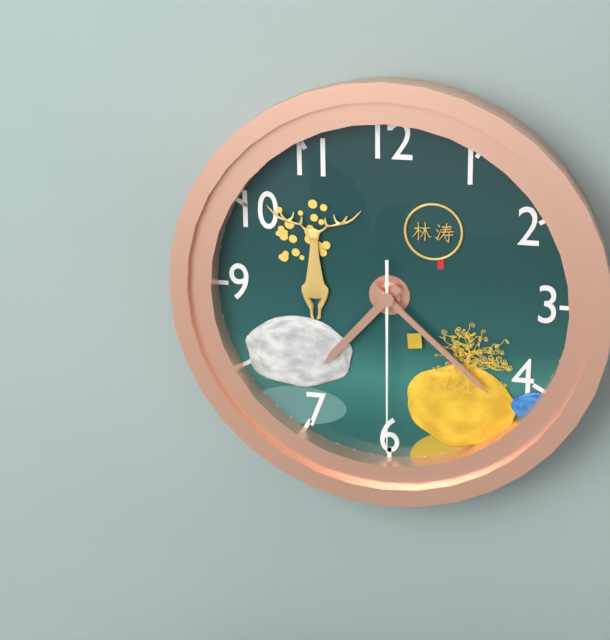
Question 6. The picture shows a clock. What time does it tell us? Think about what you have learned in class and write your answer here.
7:22:30
